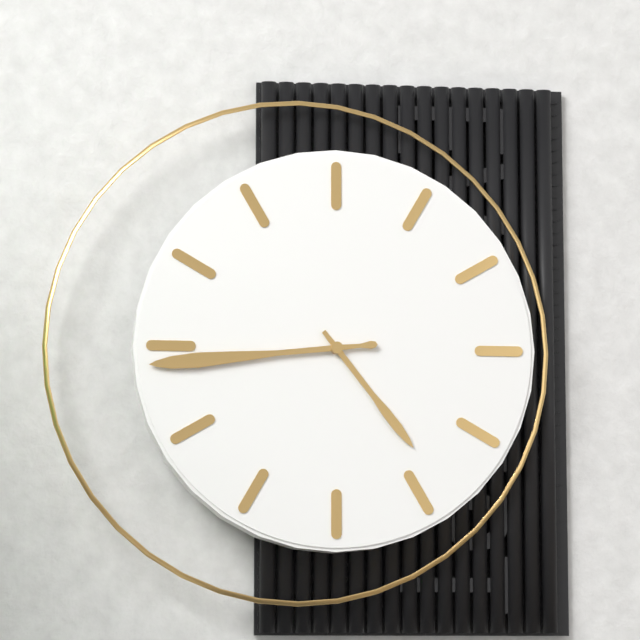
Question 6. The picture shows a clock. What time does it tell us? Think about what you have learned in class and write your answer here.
4:44
